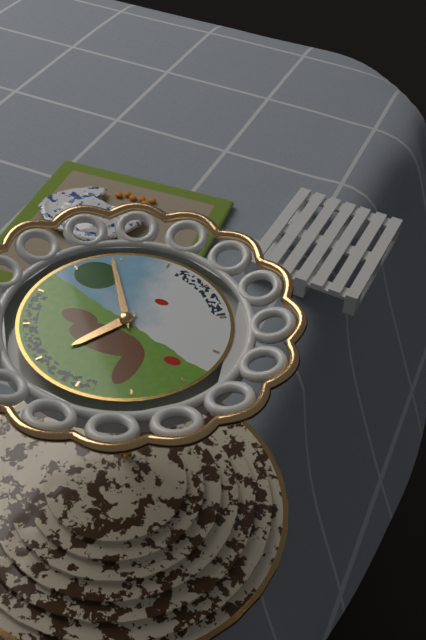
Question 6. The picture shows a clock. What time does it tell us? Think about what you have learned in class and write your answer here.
6:54
